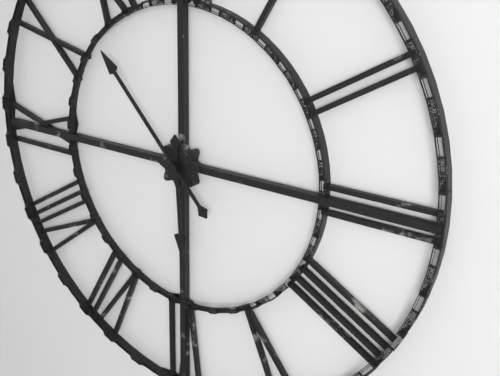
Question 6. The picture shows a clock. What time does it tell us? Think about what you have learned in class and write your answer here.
5:53
